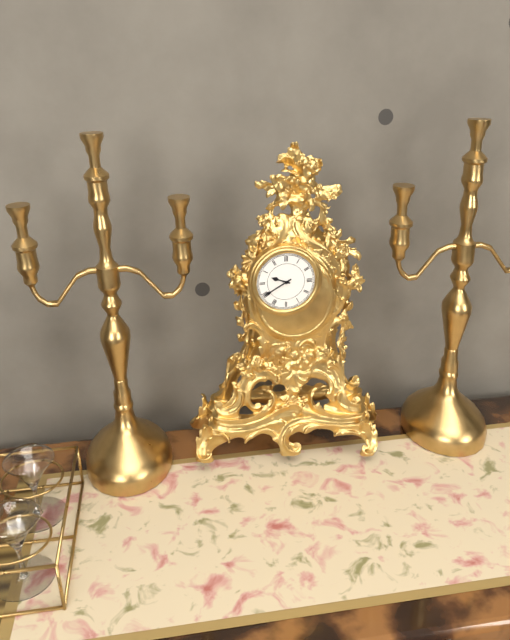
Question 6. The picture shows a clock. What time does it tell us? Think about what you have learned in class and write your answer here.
9:40
